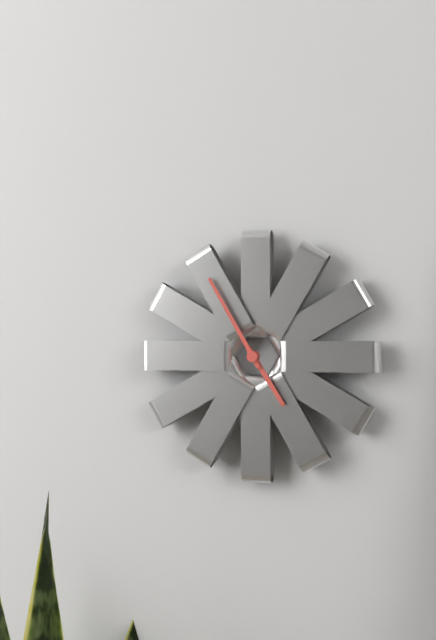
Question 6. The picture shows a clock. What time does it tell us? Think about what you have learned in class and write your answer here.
4:55
